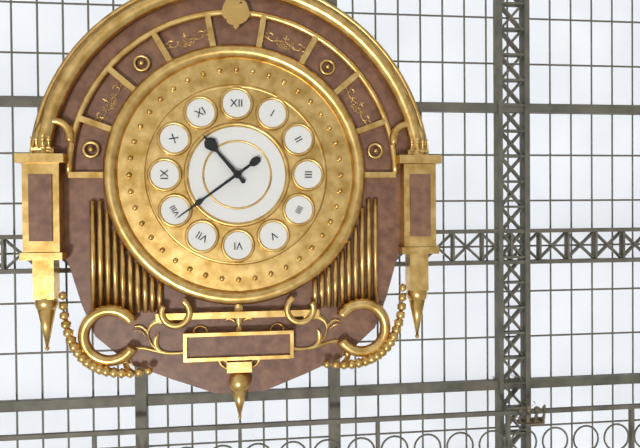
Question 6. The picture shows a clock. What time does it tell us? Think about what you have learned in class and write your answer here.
10:39
